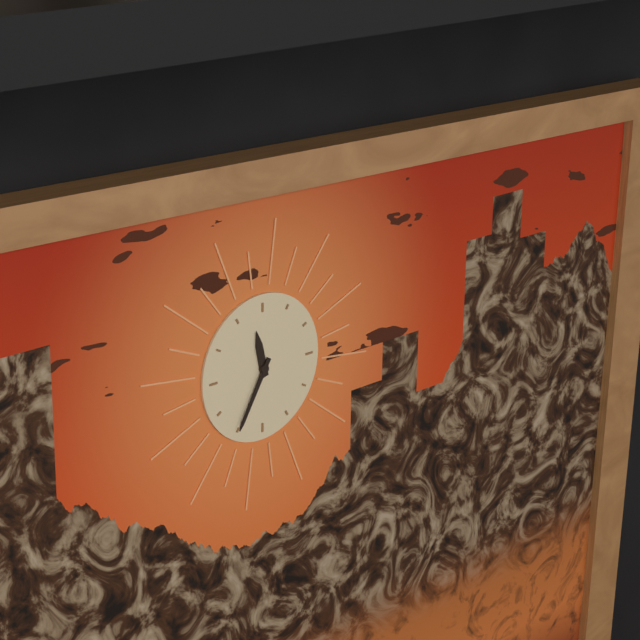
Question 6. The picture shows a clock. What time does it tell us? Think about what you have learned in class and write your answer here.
11:35
